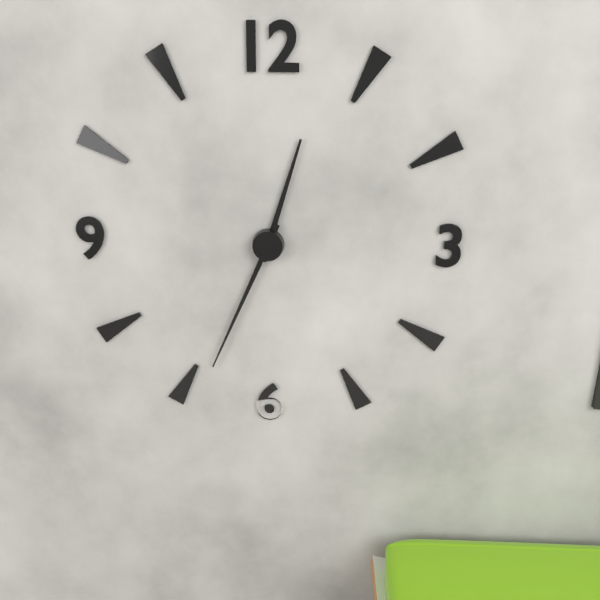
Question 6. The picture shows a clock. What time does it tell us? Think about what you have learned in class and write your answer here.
12:34
